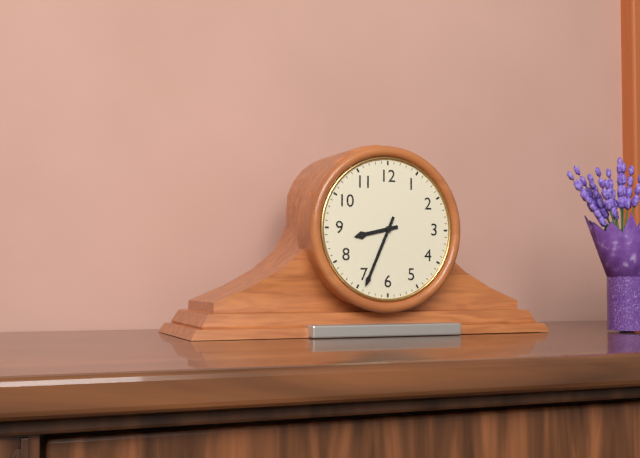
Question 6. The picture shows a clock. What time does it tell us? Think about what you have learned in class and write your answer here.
8:34
